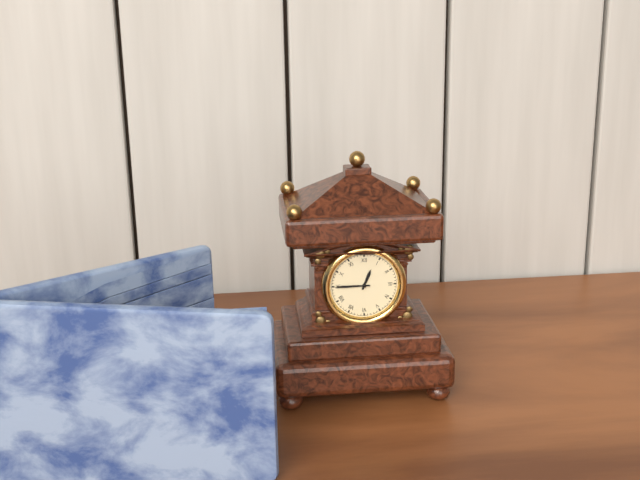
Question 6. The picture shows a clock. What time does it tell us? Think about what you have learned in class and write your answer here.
12:45
